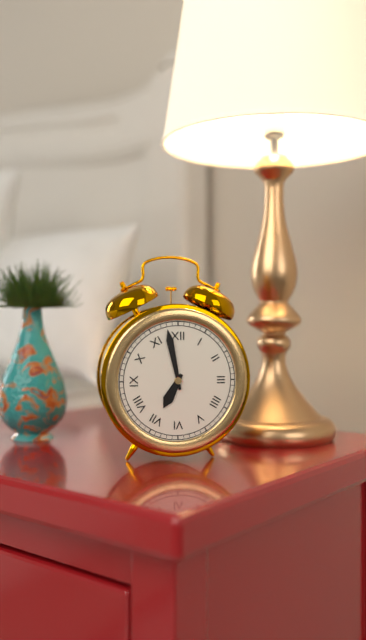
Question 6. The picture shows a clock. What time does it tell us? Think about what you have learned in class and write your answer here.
6:58
